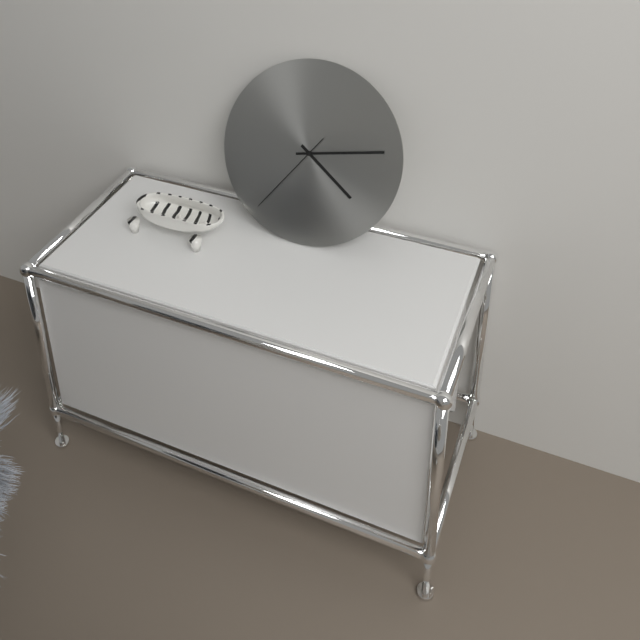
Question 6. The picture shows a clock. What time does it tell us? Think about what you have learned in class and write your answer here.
4:13:36
